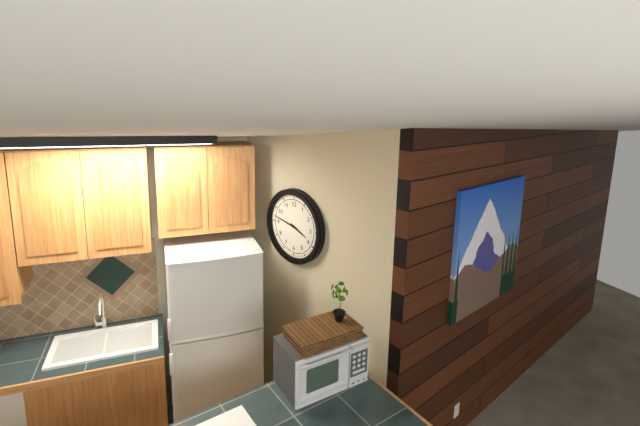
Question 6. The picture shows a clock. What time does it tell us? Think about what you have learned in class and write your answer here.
3:47
